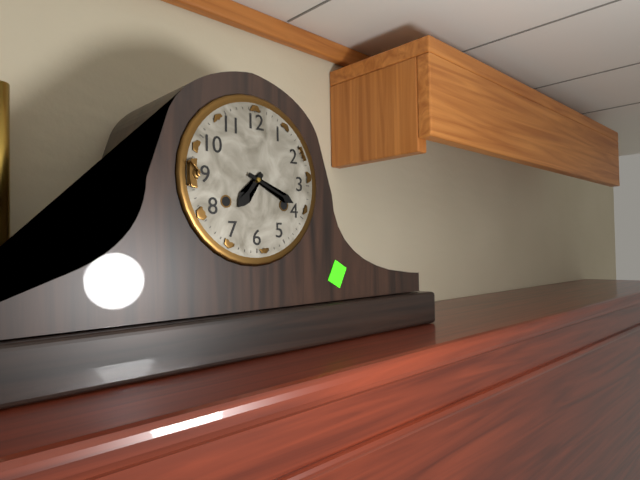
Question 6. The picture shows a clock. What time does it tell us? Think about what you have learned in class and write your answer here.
7:19
